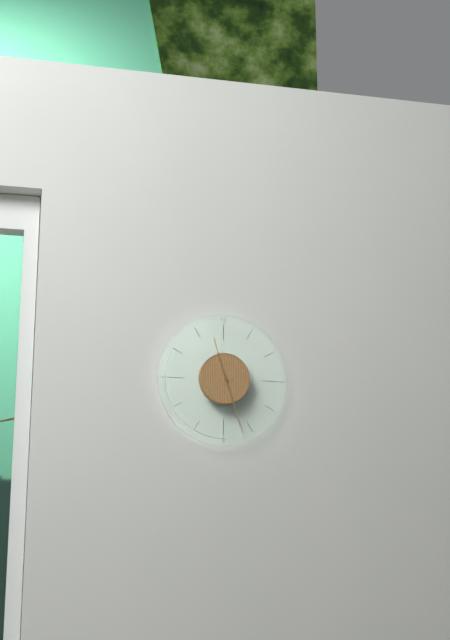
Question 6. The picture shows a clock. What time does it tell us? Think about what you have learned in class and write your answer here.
11:27
